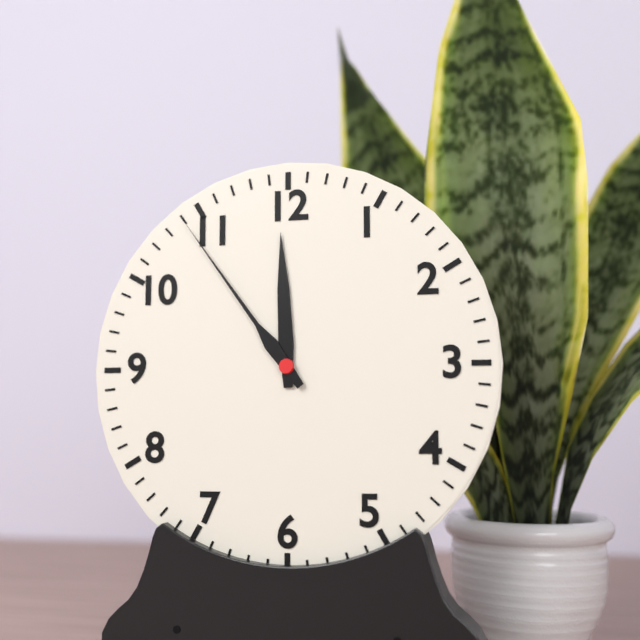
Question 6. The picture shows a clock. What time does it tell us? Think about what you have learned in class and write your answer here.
11:54
